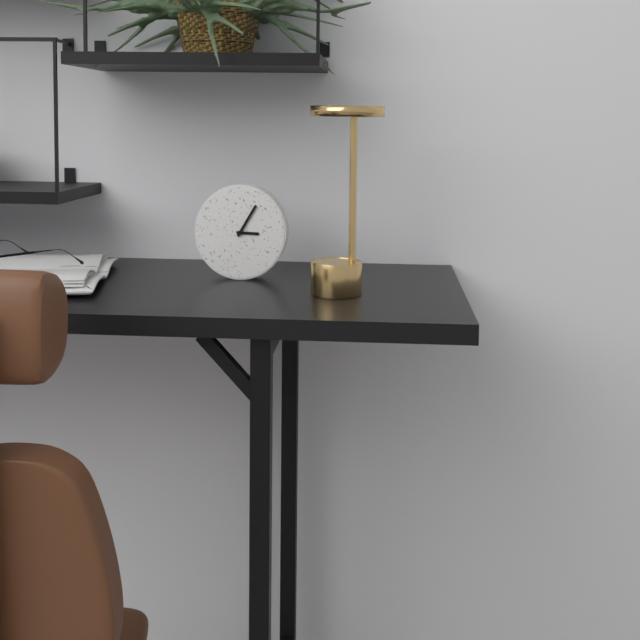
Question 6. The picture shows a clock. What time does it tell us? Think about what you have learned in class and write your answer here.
3:05
